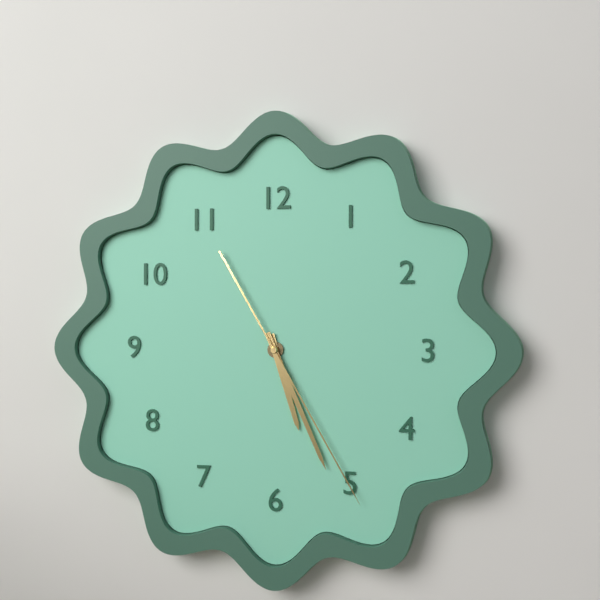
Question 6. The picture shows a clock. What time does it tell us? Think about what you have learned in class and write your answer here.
5:26:25
